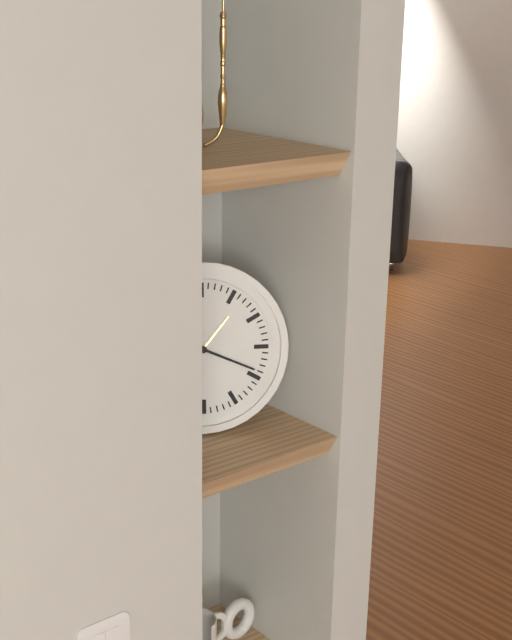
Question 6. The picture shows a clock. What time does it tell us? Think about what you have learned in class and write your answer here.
1:19
